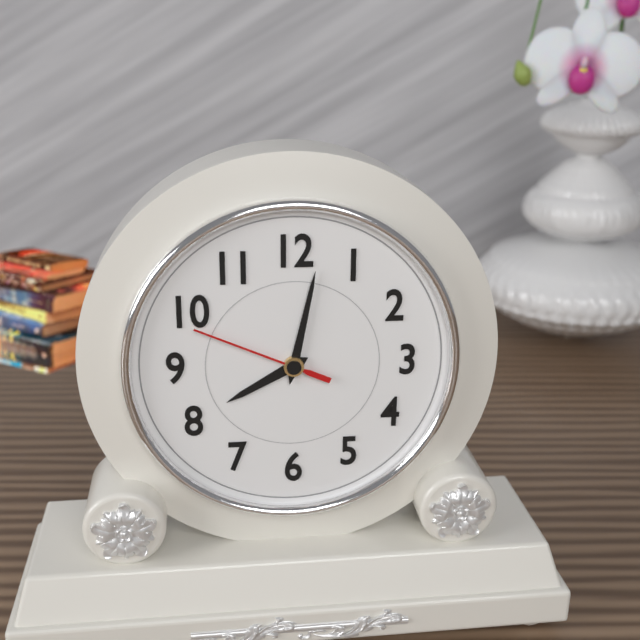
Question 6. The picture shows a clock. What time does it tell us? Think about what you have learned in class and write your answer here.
8:02:49
